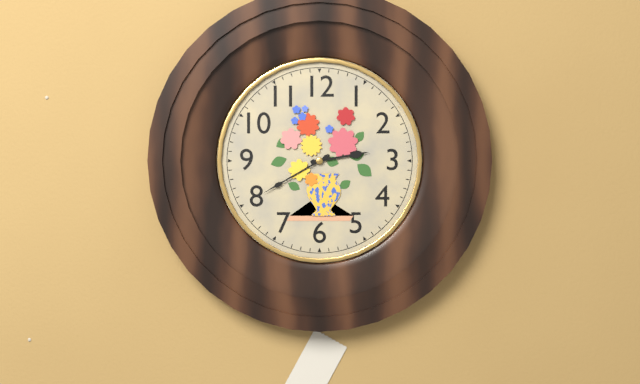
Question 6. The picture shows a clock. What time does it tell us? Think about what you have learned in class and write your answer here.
2:40
